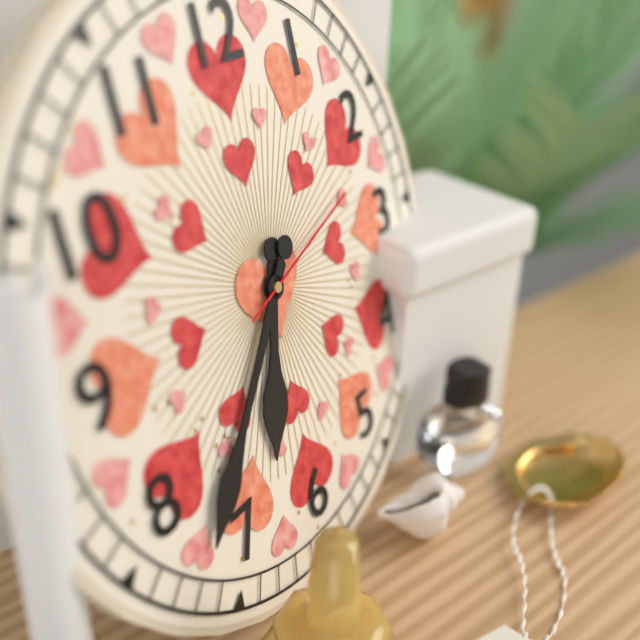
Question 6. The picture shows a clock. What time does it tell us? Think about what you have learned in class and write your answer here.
6:37:12
